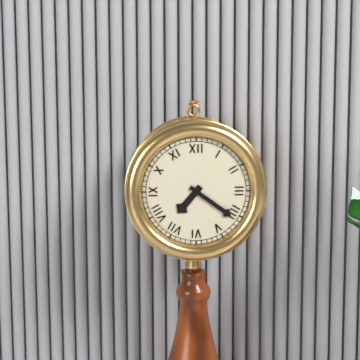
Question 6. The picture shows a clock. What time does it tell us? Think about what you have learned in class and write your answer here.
7:21
